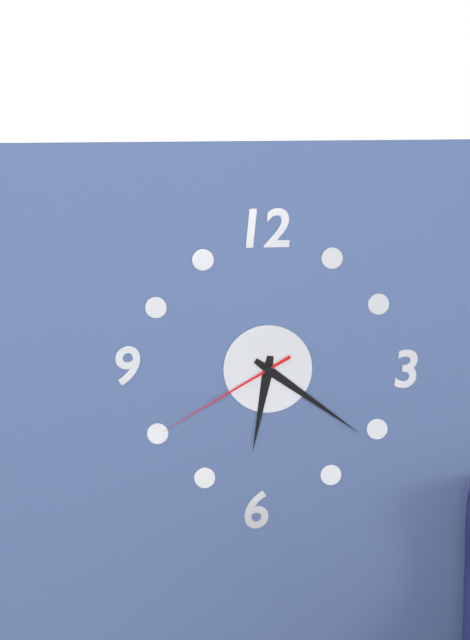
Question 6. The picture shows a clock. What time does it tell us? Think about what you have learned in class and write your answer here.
6:21:40
